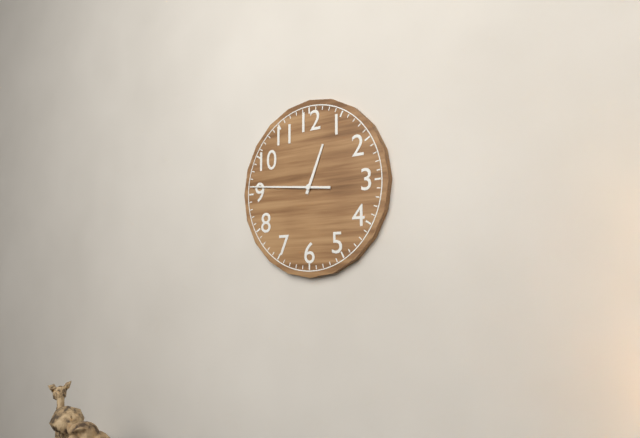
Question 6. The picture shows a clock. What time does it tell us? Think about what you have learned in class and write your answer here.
12:46
